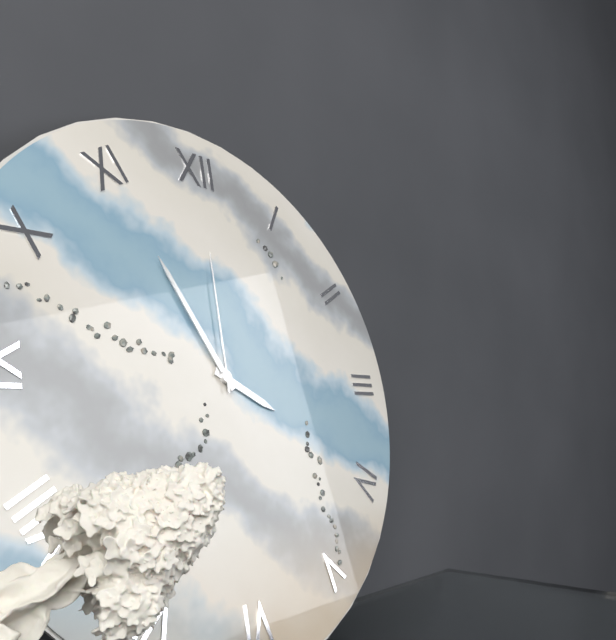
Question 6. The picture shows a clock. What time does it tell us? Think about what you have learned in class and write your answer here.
3:55:00
